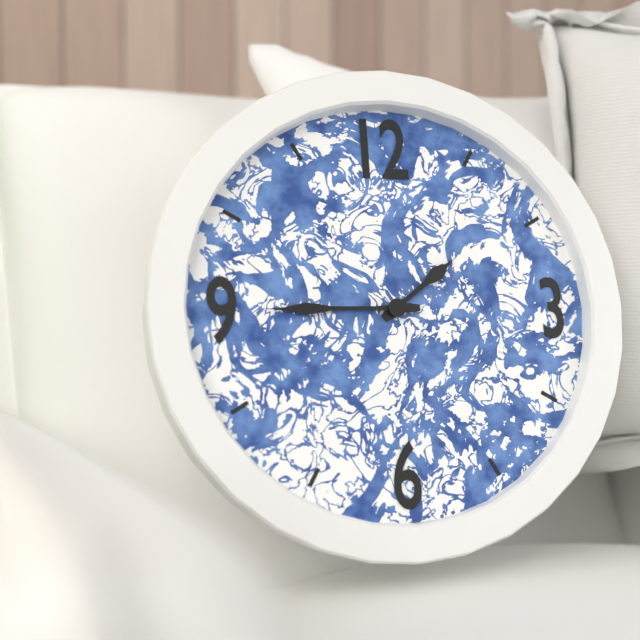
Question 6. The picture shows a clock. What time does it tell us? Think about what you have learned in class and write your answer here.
1:45
